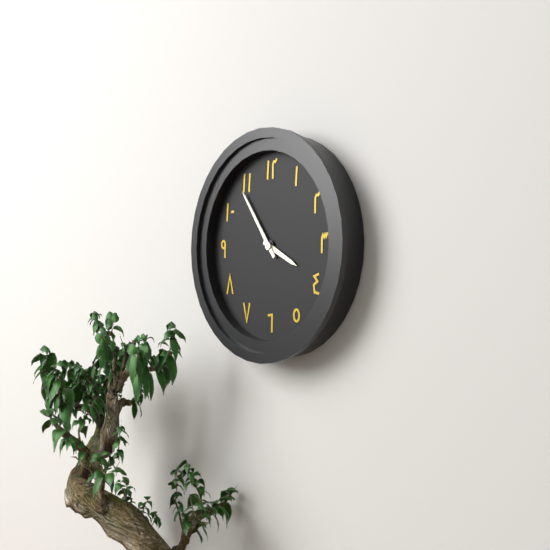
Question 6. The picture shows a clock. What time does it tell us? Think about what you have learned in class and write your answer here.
3:54
